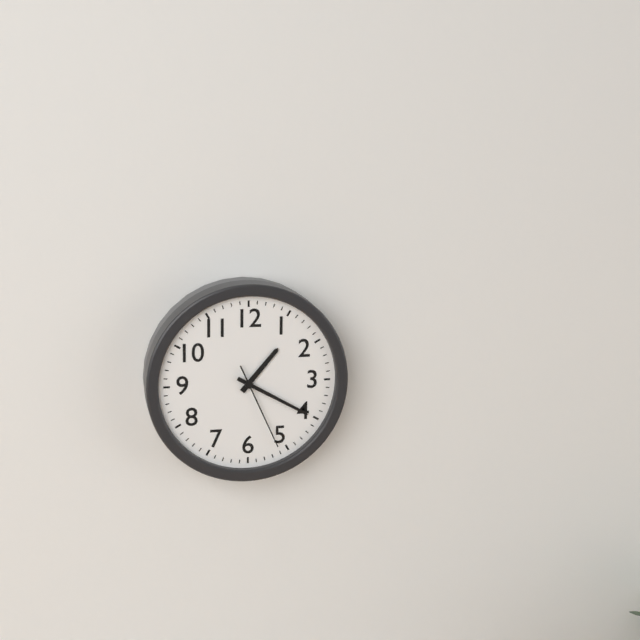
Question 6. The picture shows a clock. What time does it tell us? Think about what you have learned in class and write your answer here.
1:20:26
